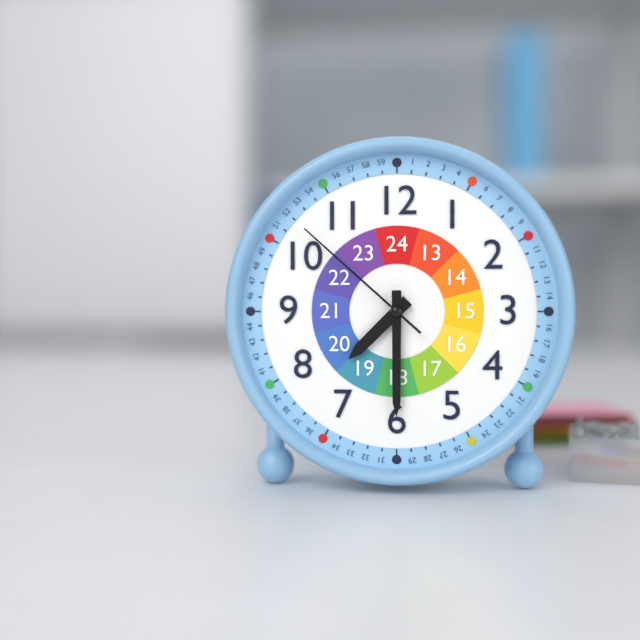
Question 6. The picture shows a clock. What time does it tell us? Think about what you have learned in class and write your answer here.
7:30:52
